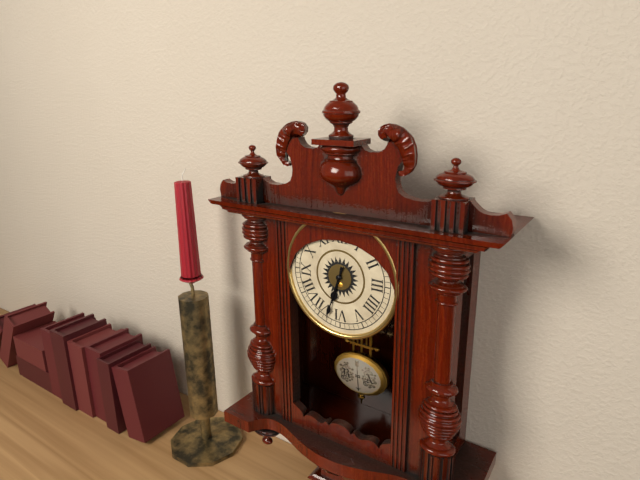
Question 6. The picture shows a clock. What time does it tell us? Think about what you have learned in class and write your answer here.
6:33
